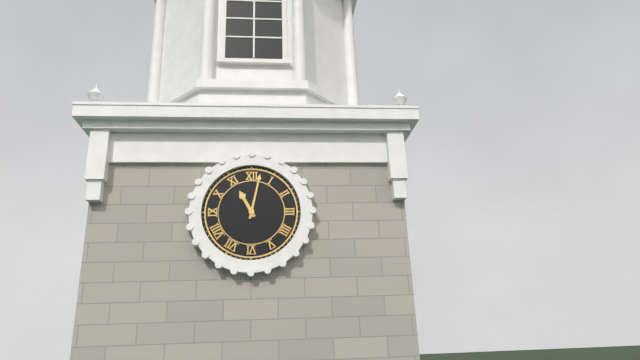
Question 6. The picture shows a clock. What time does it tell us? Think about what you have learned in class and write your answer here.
11:02
